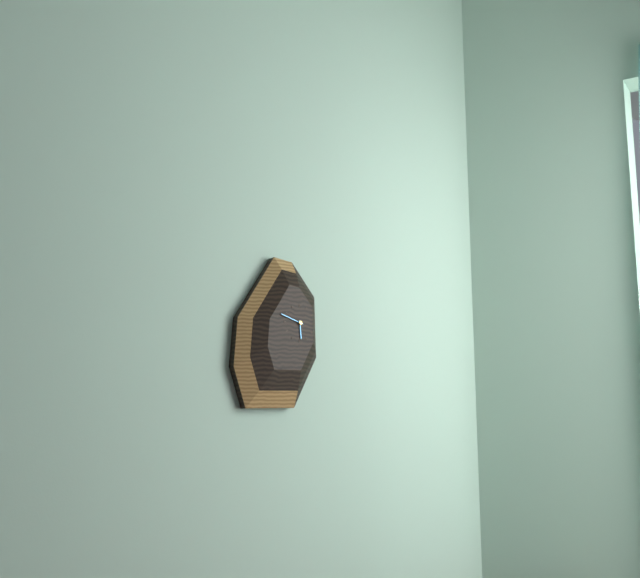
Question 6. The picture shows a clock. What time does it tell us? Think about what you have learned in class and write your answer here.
5:48
